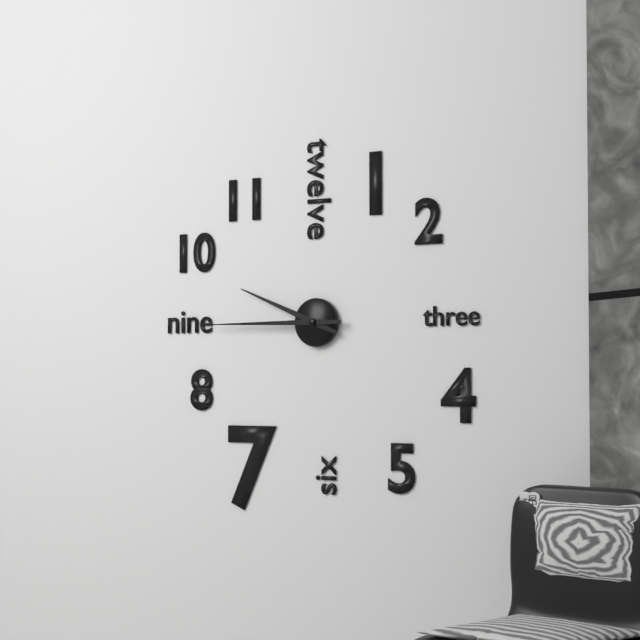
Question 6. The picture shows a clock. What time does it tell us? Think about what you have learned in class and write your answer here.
9:45
